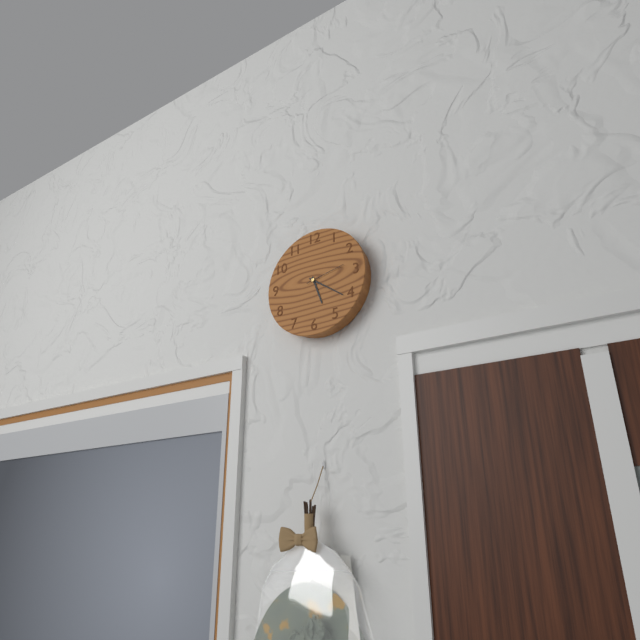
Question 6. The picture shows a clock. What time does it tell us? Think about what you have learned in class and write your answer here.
5:21
